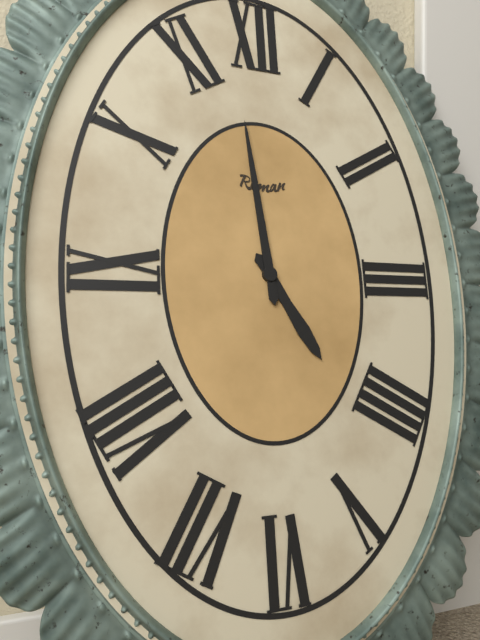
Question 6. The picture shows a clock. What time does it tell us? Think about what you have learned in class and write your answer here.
4:59
